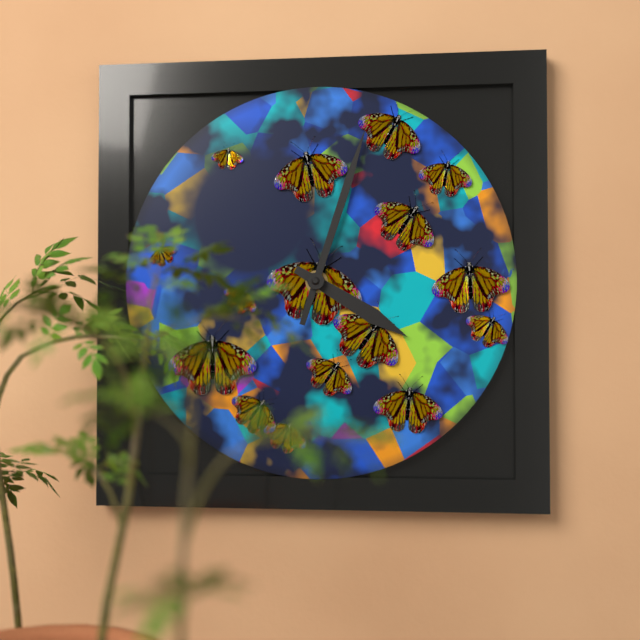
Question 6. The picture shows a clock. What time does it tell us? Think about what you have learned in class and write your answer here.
4:03
